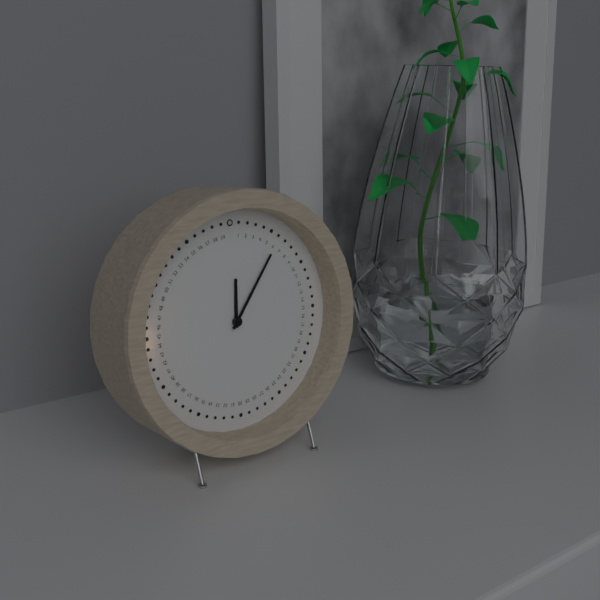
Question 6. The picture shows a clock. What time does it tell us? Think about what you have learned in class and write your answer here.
12:06
